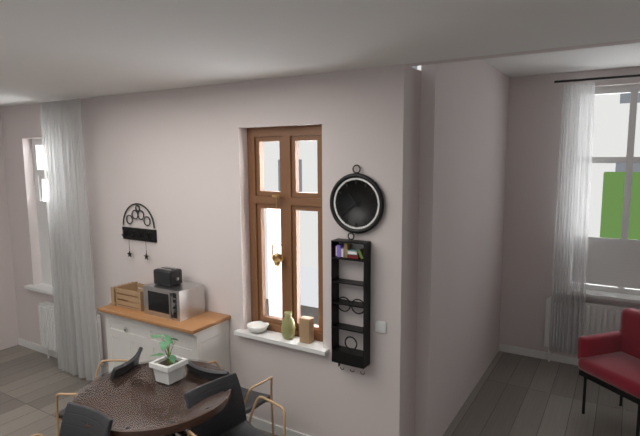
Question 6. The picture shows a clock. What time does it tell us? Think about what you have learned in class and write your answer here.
10:39
